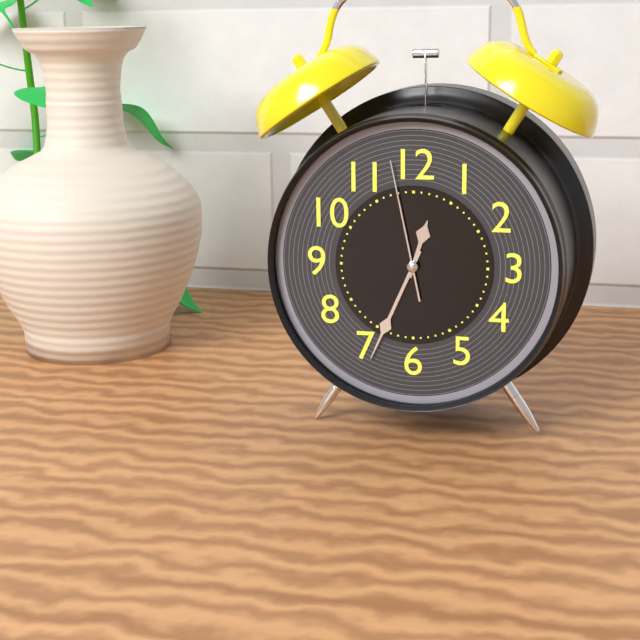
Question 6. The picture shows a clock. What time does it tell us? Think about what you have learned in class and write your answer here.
12:34:58
